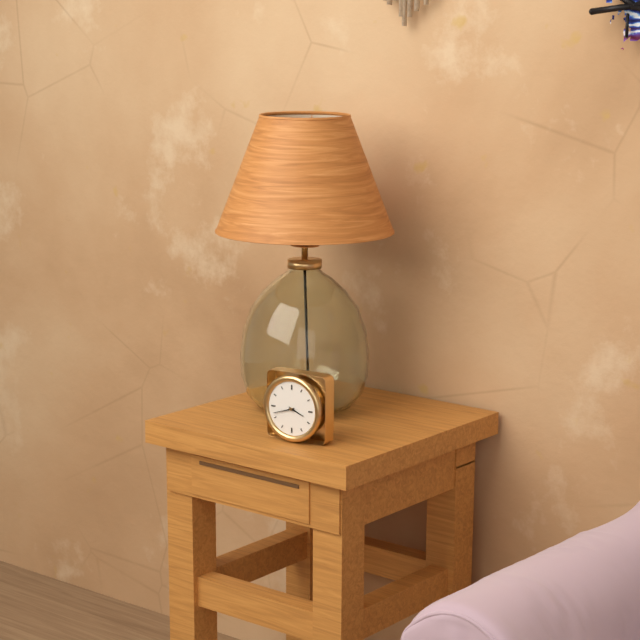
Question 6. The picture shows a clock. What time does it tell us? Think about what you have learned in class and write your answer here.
3:42
